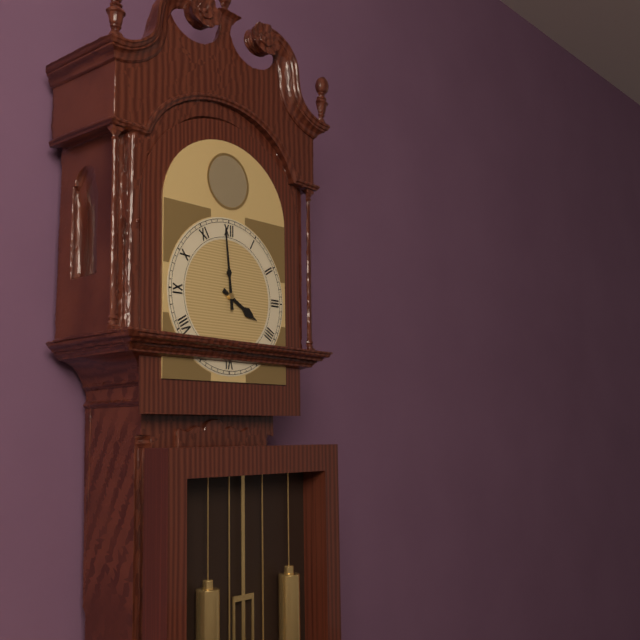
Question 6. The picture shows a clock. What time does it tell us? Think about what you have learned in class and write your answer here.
3:59
